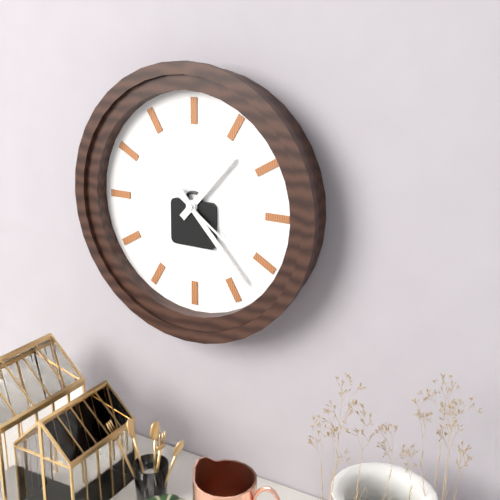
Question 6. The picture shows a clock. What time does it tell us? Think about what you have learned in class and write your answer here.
1:23:21
